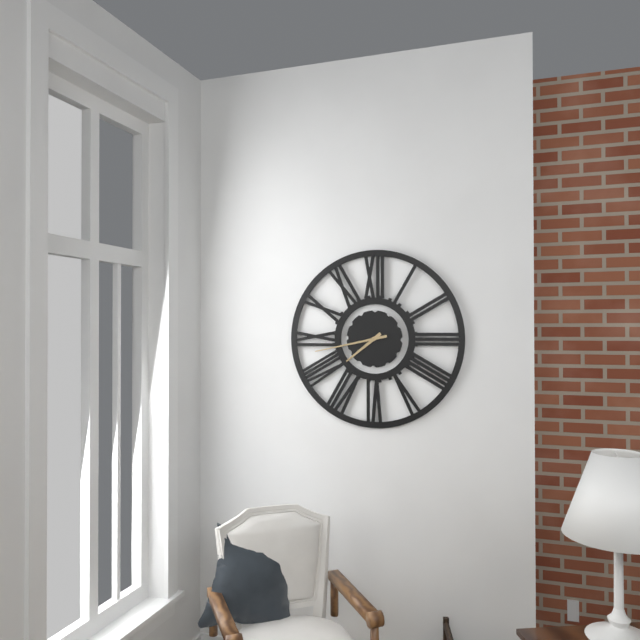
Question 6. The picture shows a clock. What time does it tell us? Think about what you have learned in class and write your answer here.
7:43
